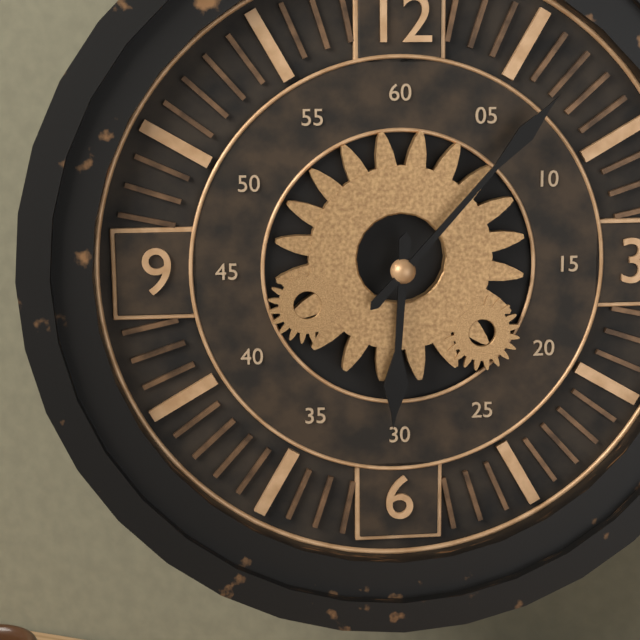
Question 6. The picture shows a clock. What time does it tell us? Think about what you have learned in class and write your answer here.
6:07
